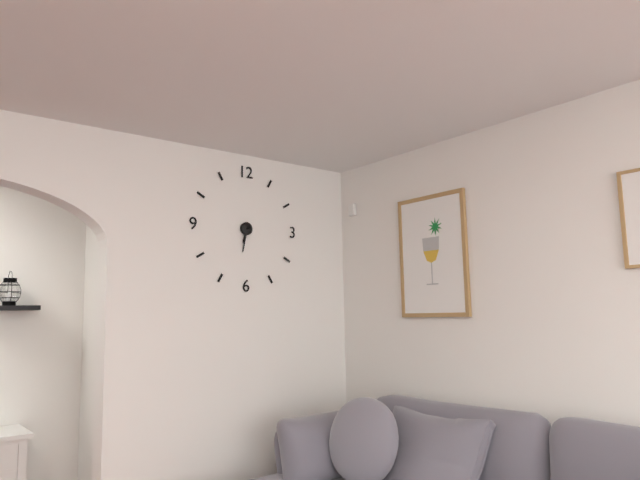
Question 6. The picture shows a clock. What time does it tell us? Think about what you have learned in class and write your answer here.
6:32
